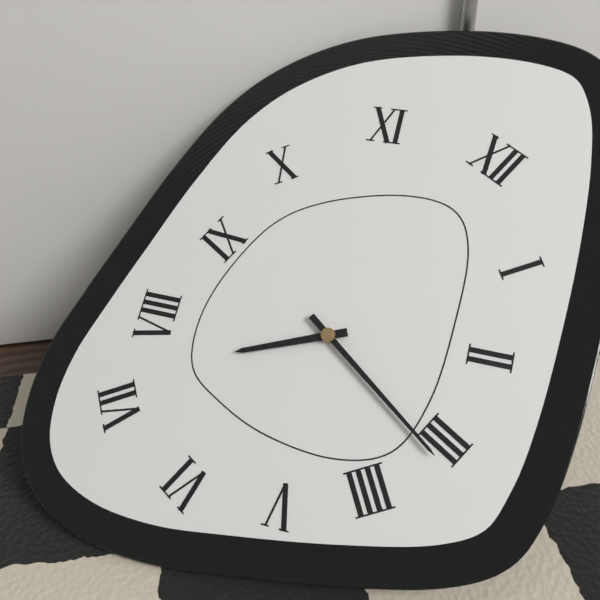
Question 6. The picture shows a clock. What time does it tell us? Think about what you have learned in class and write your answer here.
7:16
